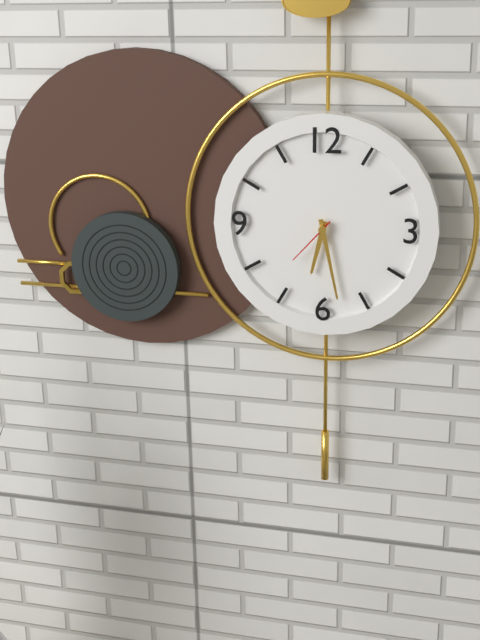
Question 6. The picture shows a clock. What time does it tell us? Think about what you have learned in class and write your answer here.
6:28:37
